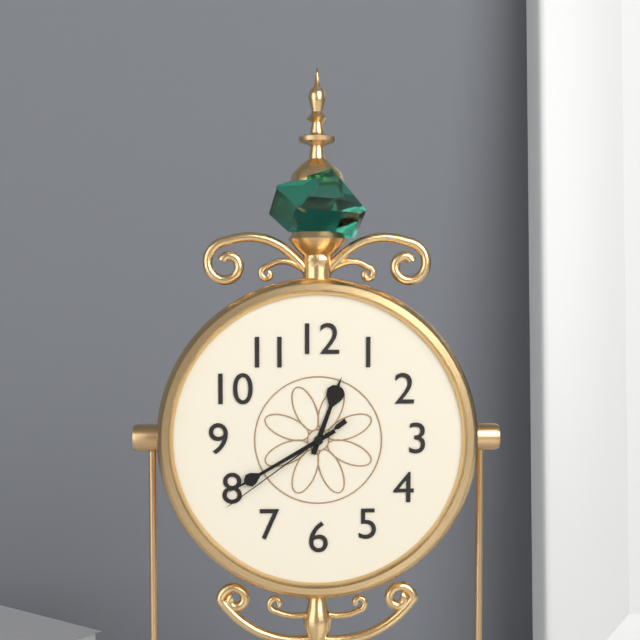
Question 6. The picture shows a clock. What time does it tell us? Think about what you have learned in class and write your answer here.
12:40:39
